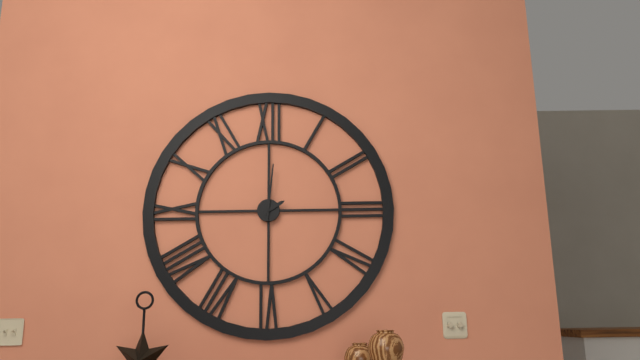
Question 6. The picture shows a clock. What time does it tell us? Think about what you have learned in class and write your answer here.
2:01
